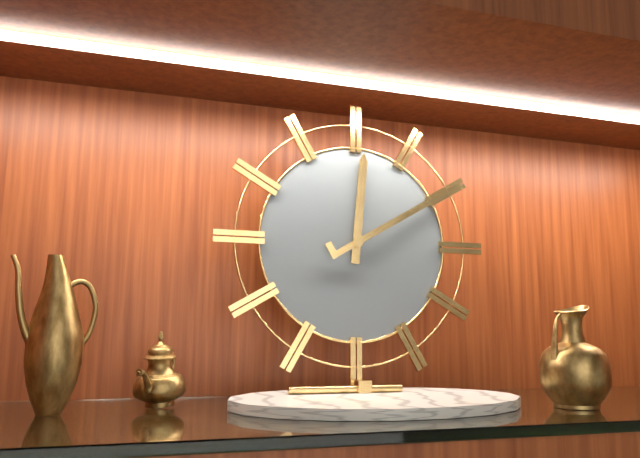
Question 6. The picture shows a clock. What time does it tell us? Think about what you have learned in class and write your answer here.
12:10
